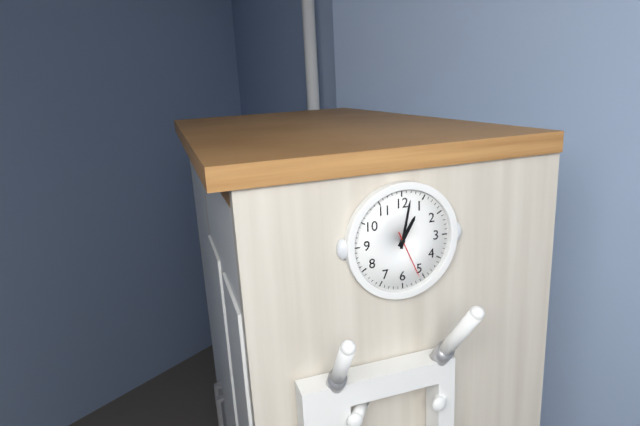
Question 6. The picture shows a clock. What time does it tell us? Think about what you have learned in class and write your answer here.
1:02:26
